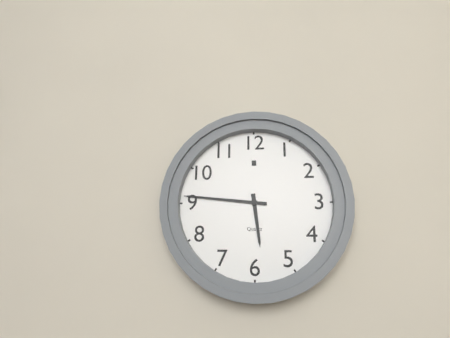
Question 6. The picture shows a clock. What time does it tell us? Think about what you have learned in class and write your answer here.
5:46
